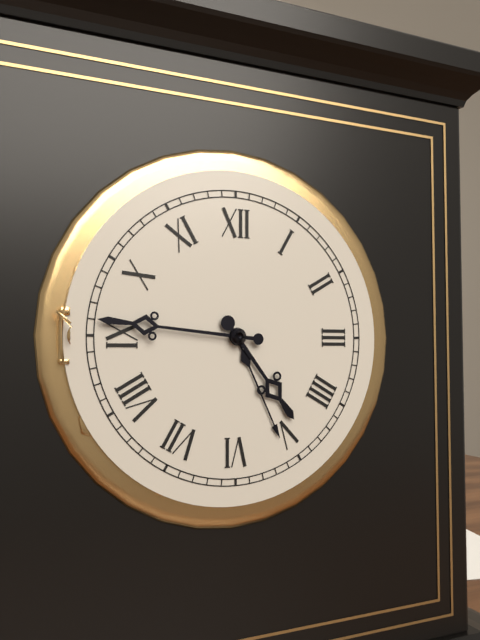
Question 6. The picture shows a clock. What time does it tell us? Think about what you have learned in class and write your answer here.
4:46
